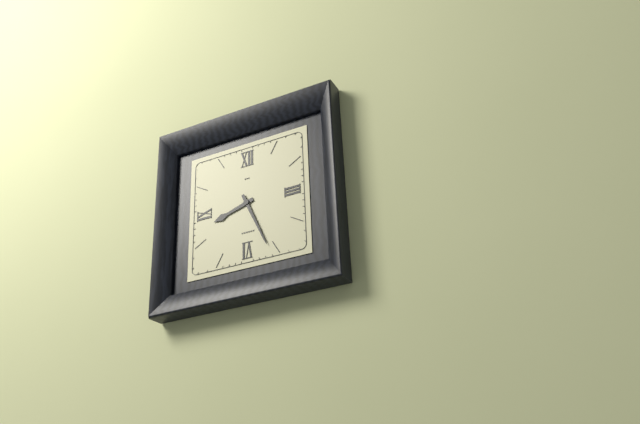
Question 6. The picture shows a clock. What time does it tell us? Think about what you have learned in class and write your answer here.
8:26
